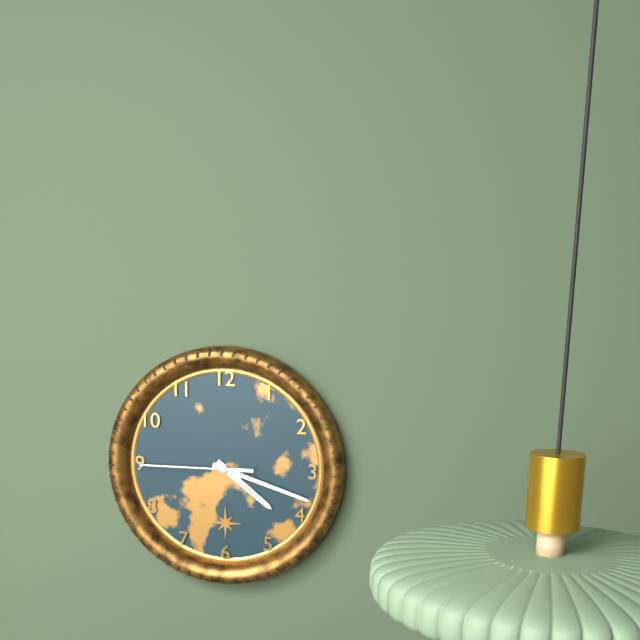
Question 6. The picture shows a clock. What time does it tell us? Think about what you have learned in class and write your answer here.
4:18:45
